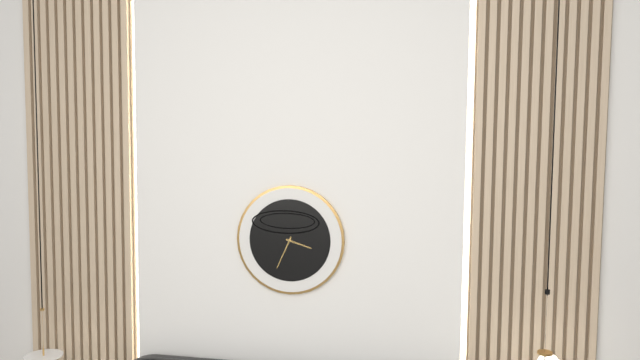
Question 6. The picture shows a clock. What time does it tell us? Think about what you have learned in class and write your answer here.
3:34
